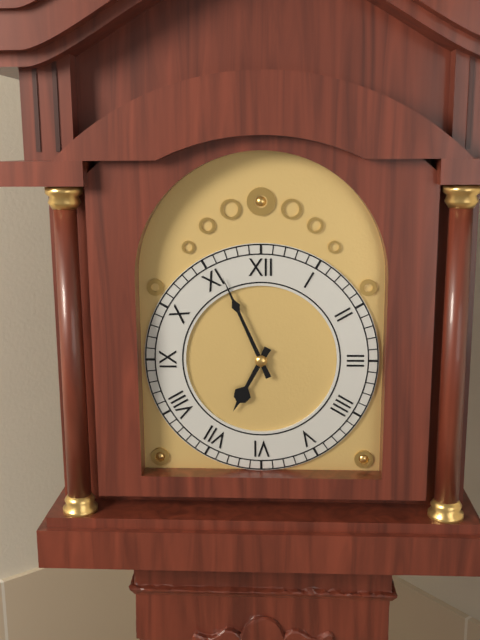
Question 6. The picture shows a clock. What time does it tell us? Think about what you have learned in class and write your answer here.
6:56
